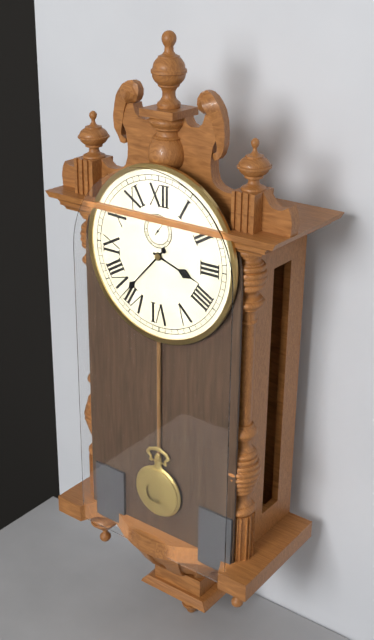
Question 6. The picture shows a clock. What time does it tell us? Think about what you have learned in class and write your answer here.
3:37
